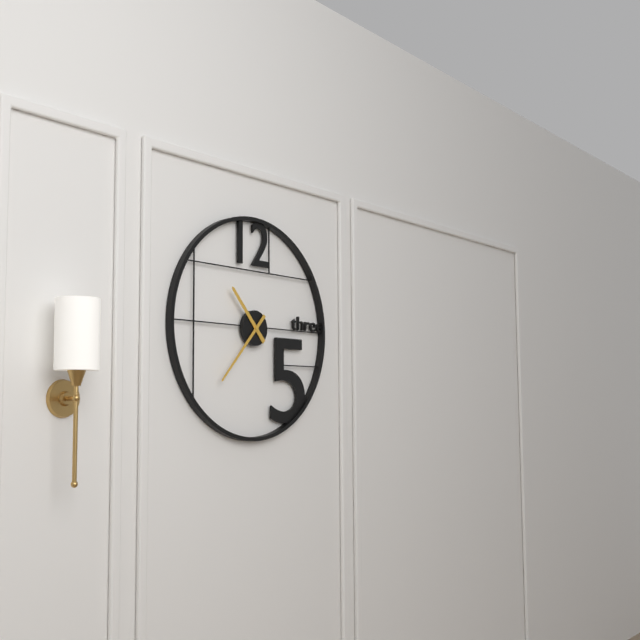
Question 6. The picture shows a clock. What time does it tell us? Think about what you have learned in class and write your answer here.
10:37
